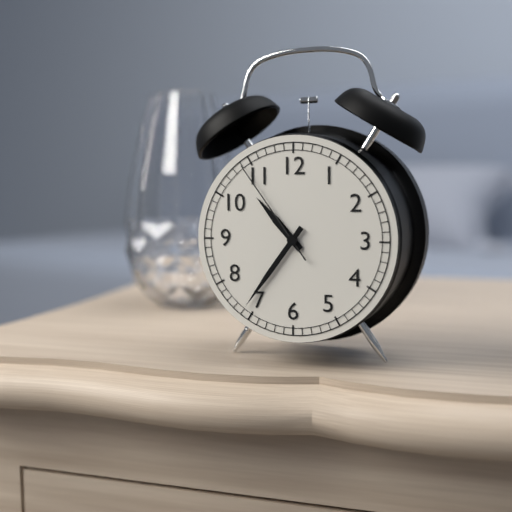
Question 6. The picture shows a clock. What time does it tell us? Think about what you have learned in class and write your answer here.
10:36:54
